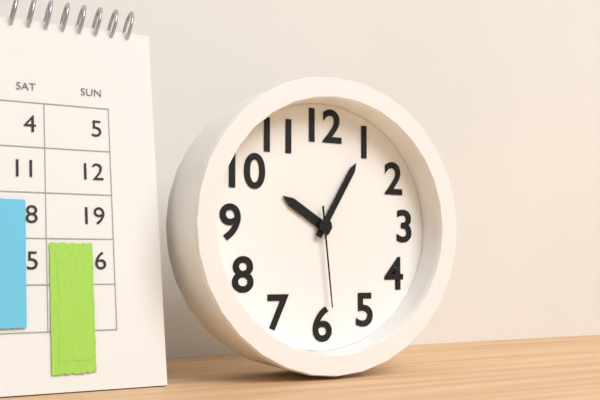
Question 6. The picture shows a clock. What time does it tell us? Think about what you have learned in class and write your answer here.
10:05:29
